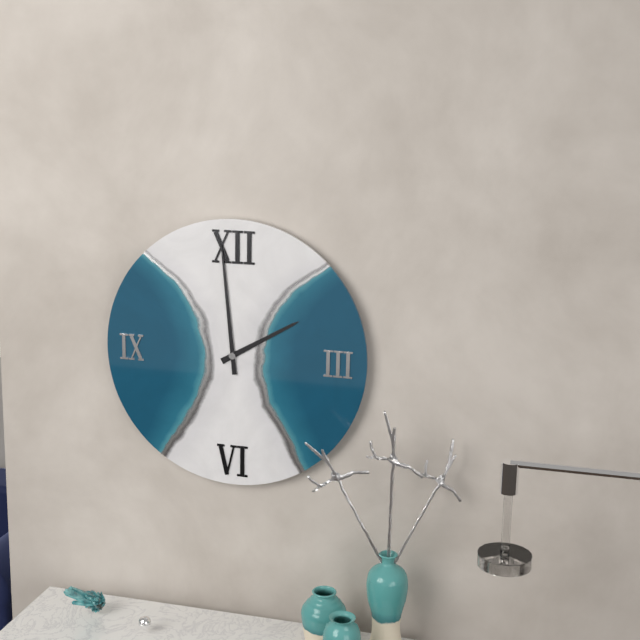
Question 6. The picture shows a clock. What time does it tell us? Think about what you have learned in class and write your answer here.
1:59
